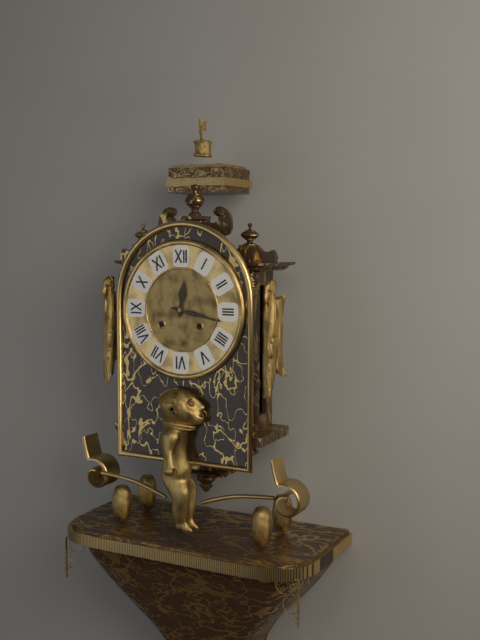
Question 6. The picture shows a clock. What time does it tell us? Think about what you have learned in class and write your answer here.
12:17
